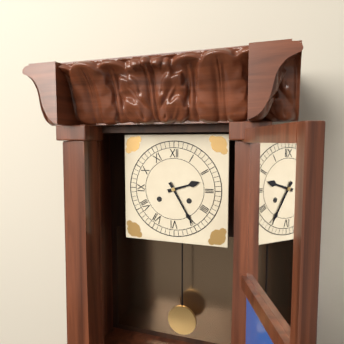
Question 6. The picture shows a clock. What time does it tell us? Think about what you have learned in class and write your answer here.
2:25
